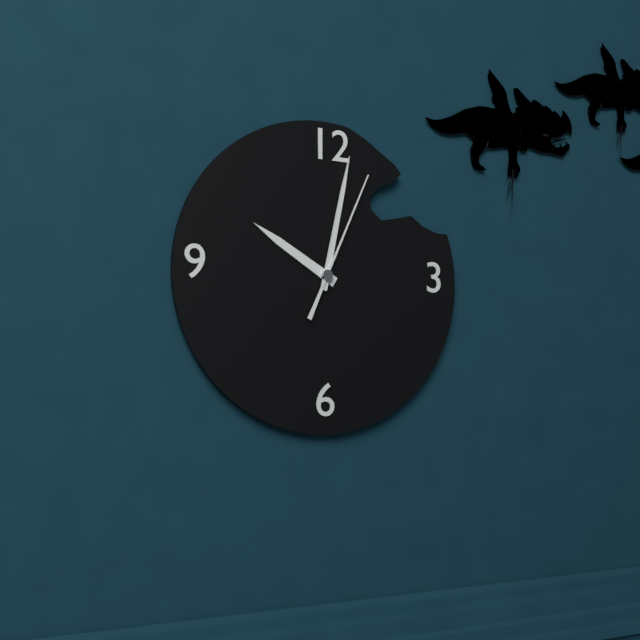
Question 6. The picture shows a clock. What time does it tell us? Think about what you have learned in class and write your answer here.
10:02:04
